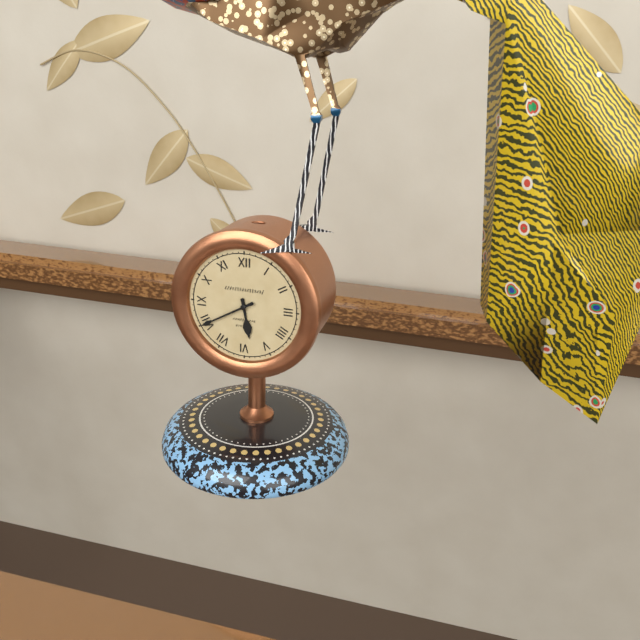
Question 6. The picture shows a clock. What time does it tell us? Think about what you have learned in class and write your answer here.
5:40
